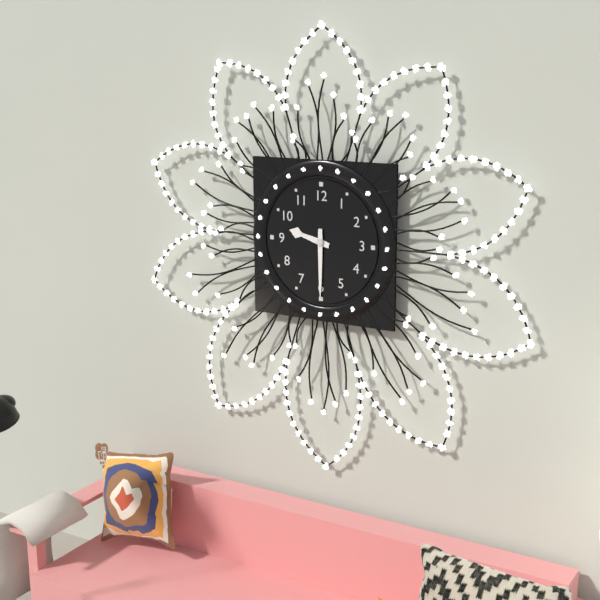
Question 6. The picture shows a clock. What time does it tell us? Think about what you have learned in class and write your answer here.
9:30
